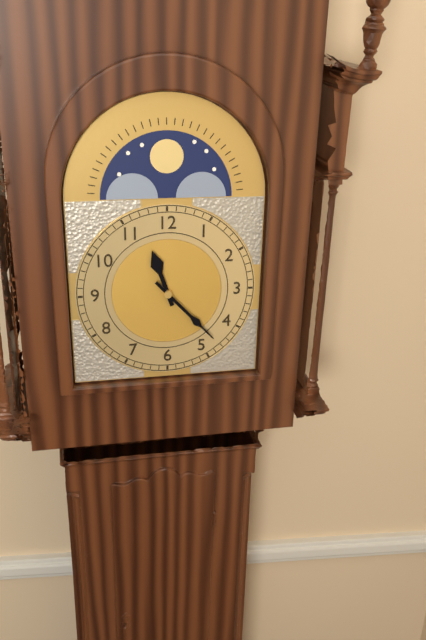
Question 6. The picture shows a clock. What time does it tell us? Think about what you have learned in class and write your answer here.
11:23
